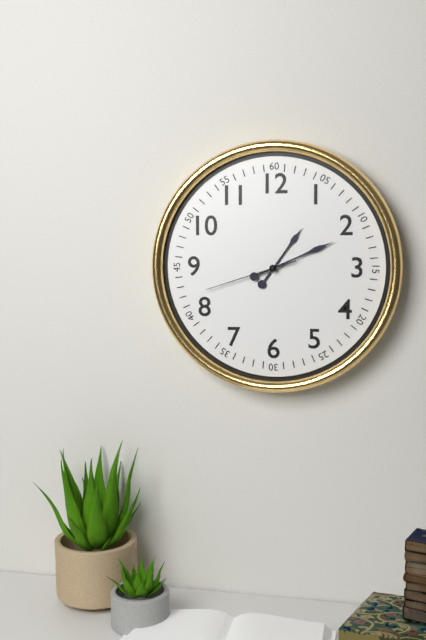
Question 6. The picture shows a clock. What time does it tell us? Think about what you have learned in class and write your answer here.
1:11:42
